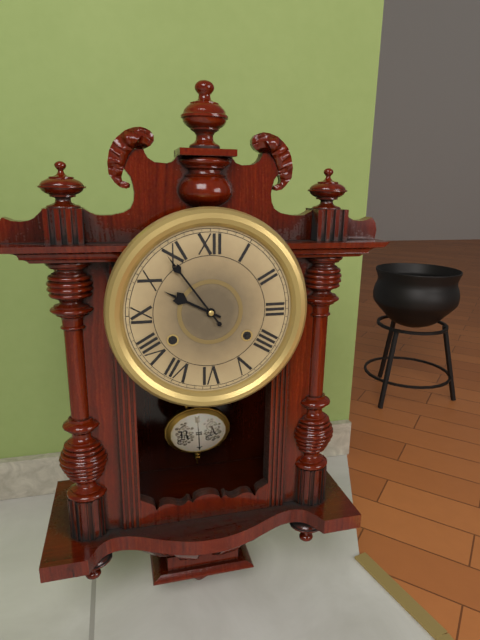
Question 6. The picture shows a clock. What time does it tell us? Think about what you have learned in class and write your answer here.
9:54
